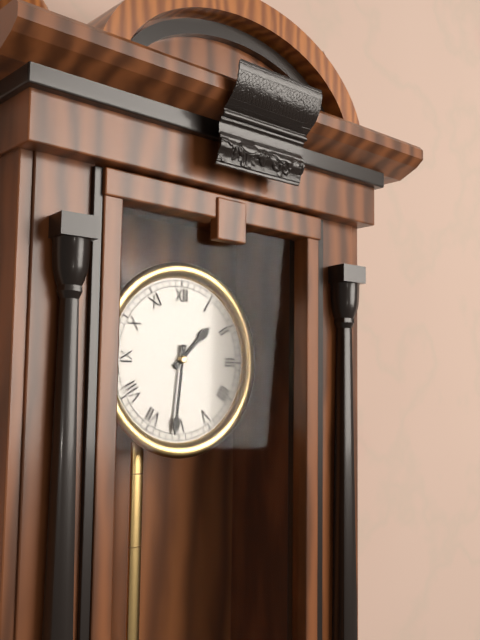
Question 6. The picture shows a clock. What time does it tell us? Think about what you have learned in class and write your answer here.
1:31
